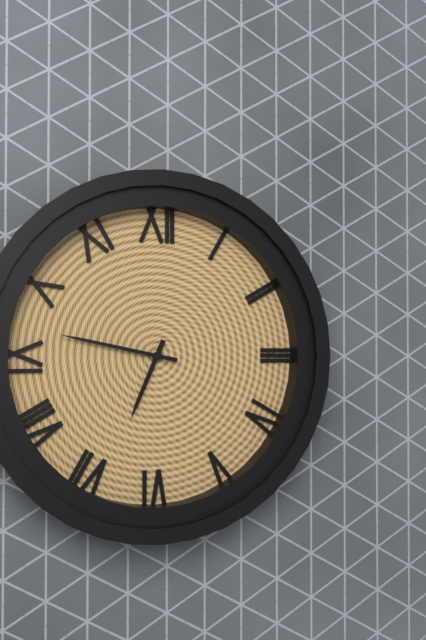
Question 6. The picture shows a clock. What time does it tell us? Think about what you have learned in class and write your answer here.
6:47
